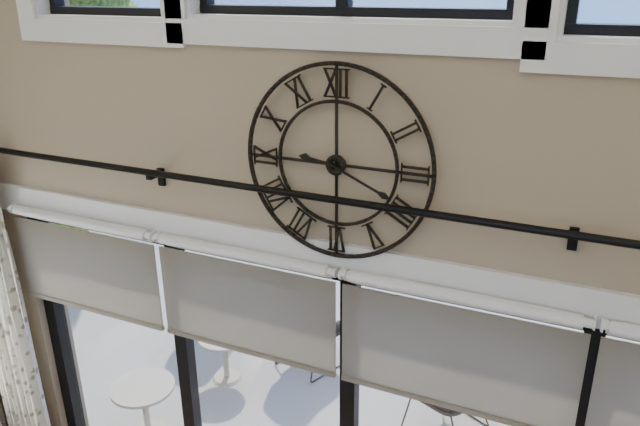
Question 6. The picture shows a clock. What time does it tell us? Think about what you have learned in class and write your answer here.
9:19
